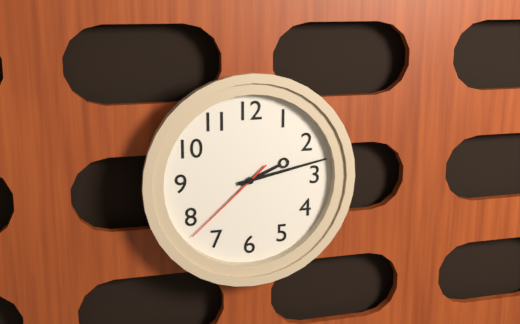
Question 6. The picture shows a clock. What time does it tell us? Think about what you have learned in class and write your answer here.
2:13:38
